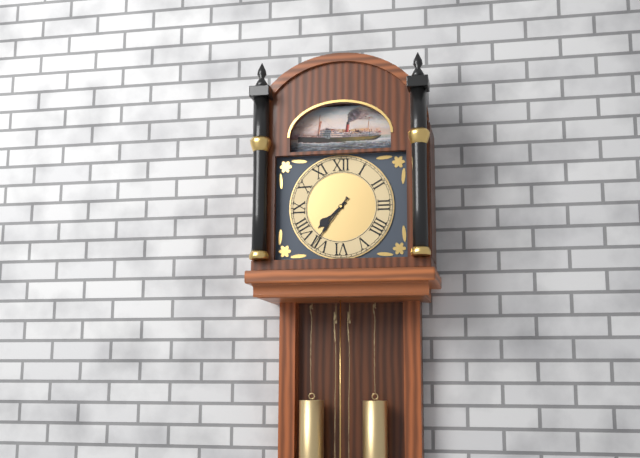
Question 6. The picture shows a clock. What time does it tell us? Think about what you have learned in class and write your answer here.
7:36
